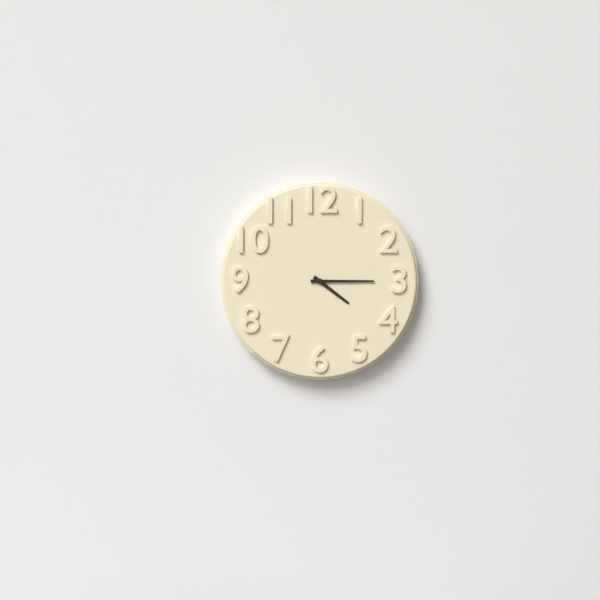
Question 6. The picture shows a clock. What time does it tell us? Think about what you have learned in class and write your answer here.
4:15
